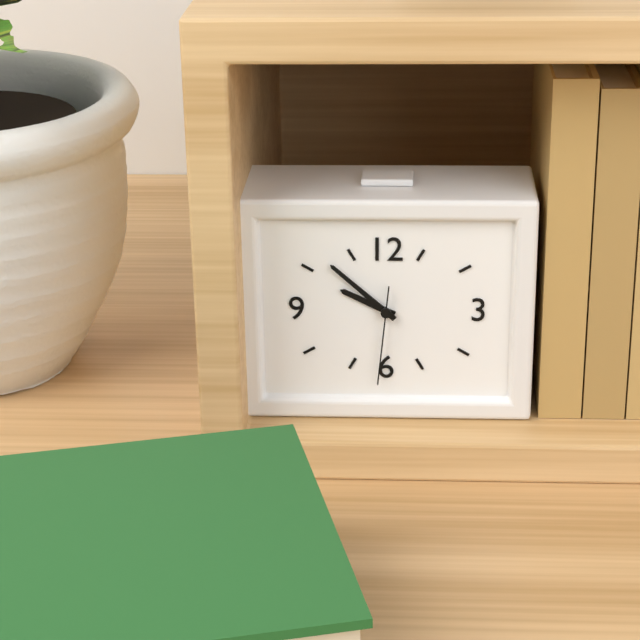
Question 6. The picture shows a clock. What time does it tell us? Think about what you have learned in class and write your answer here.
9:52:31
